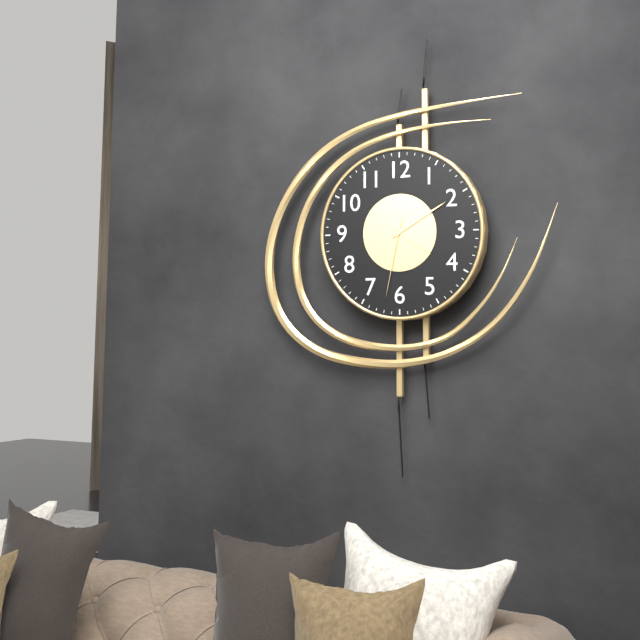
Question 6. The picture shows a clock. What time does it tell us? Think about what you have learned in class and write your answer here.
4:10:32
